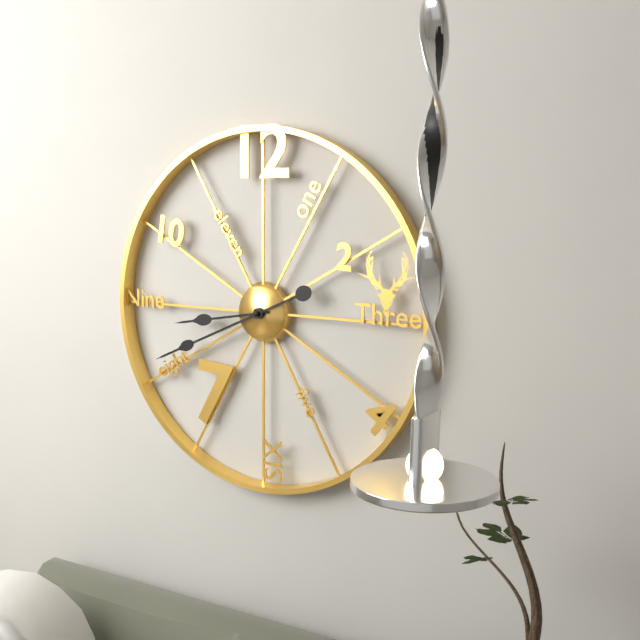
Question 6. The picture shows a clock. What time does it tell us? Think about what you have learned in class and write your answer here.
8:41
